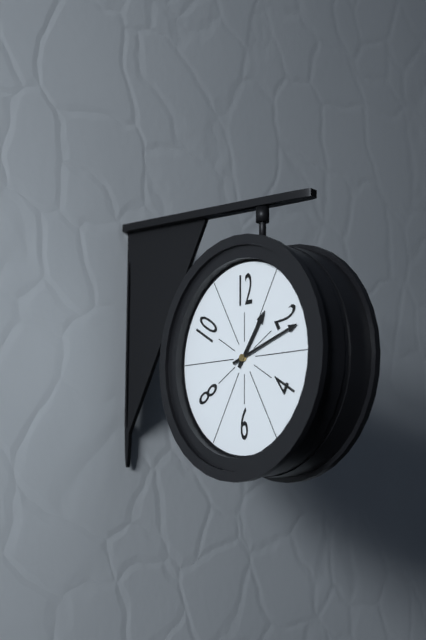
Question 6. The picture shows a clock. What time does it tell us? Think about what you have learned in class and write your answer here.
1:12
